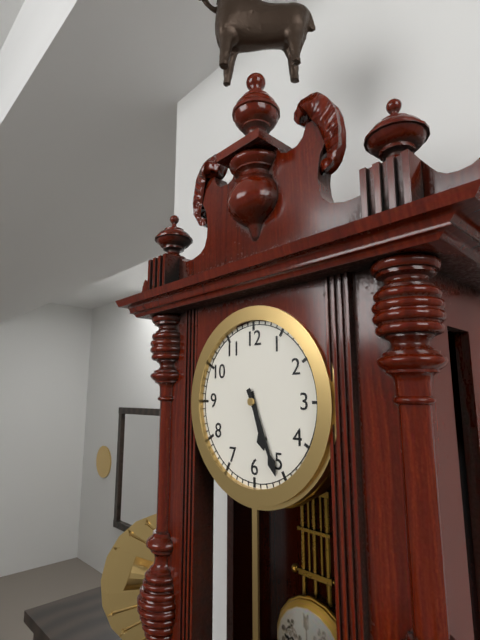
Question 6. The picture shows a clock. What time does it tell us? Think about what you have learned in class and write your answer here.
5:26
